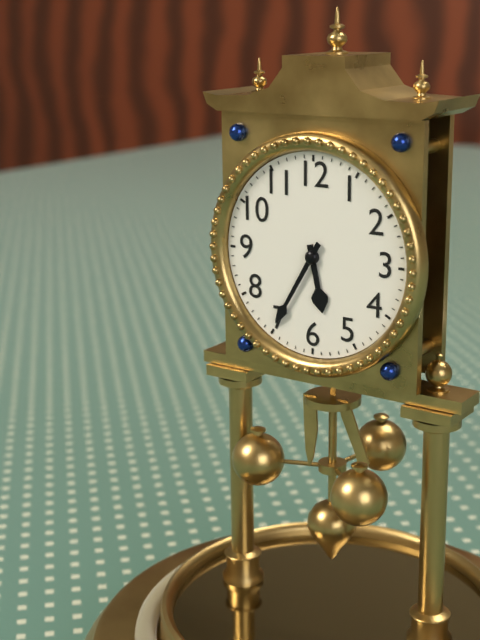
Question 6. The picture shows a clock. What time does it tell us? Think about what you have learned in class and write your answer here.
5:35
